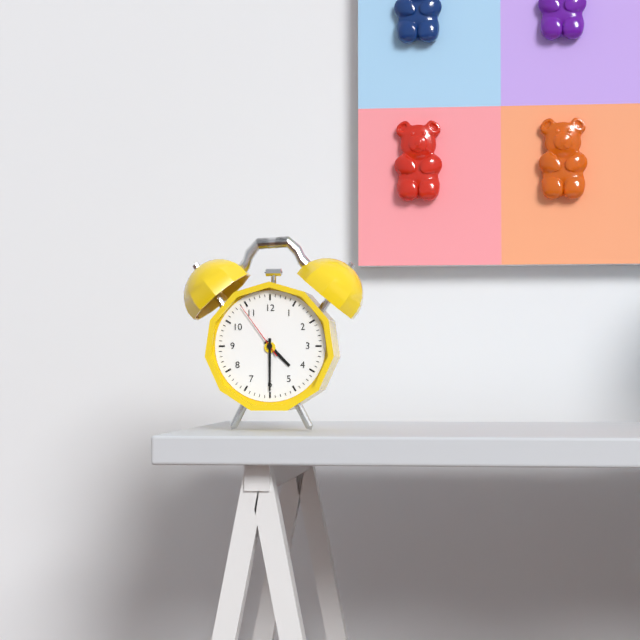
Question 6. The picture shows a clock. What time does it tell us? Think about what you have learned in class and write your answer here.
4:30:54
